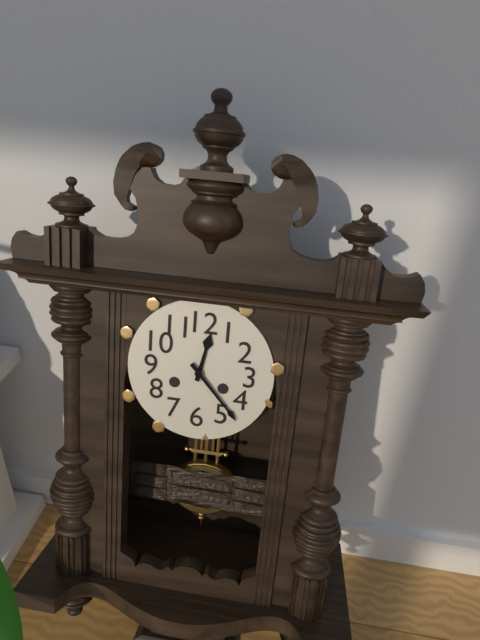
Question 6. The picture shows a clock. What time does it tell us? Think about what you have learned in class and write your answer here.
12:23
